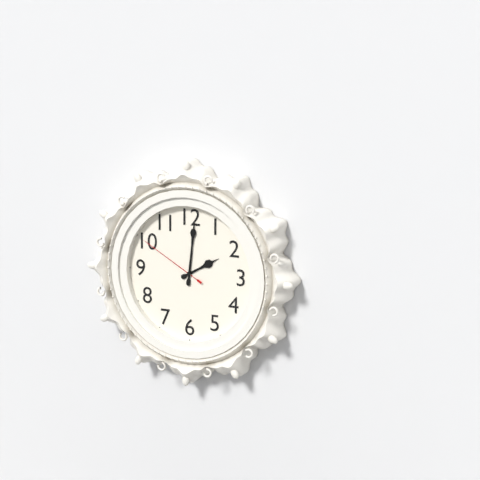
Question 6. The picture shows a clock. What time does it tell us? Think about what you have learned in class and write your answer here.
2:01:50
